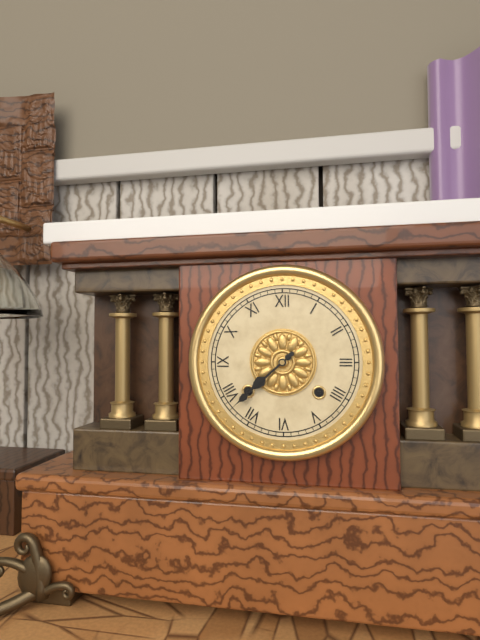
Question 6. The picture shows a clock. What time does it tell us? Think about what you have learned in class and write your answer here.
7:38
